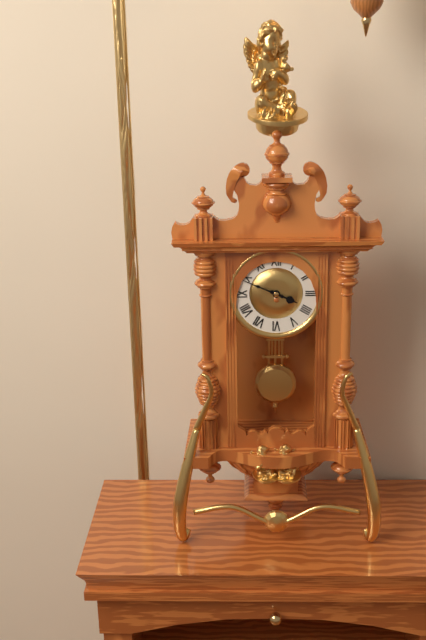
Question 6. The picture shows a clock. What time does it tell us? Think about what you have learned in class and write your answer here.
3:49
